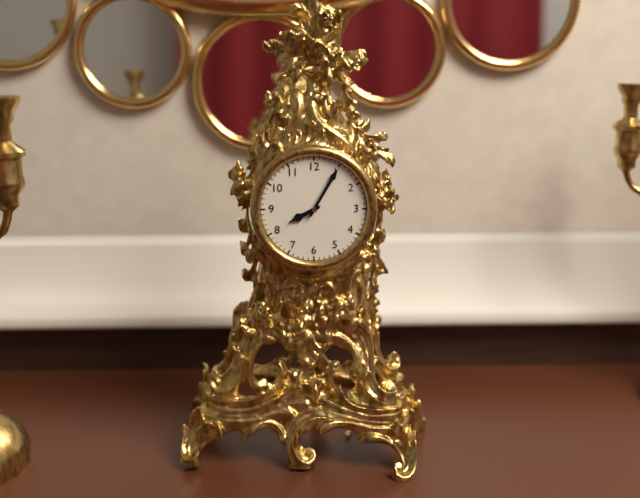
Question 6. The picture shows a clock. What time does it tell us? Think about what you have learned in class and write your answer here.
8:05
